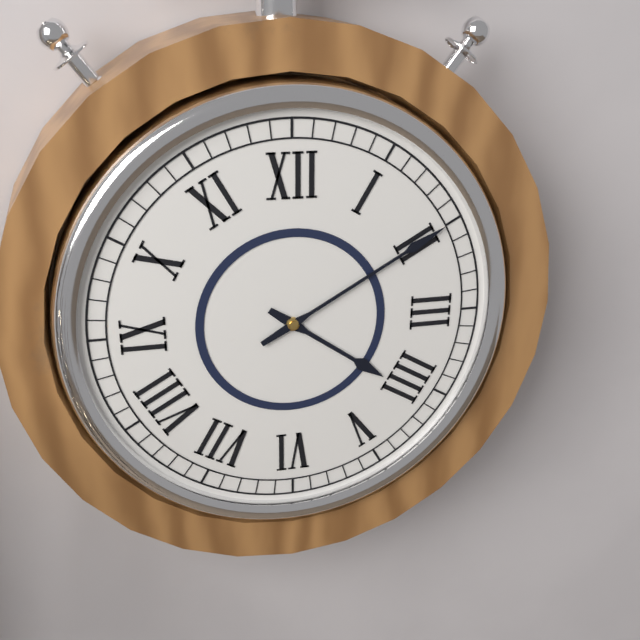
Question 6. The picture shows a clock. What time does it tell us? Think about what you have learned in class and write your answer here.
4:10
